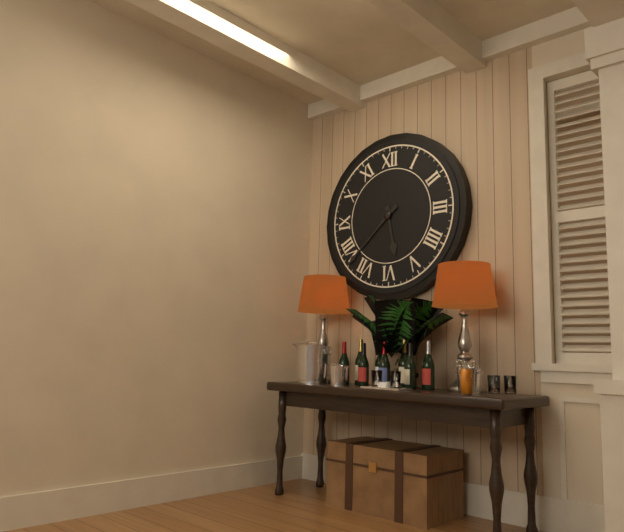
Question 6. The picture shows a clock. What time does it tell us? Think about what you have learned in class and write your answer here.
5:38
